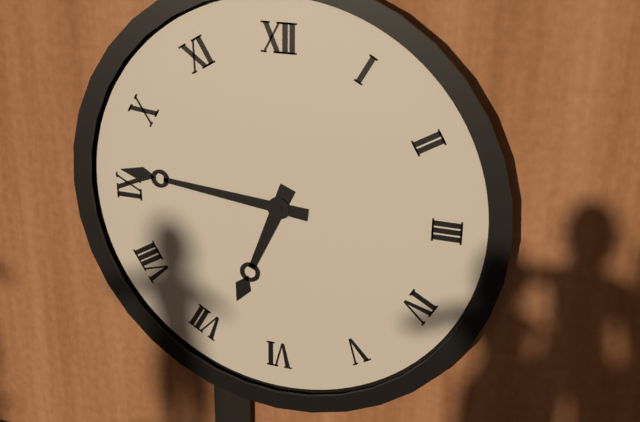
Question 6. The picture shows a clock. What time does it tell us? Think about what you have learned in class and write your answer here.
6:46
